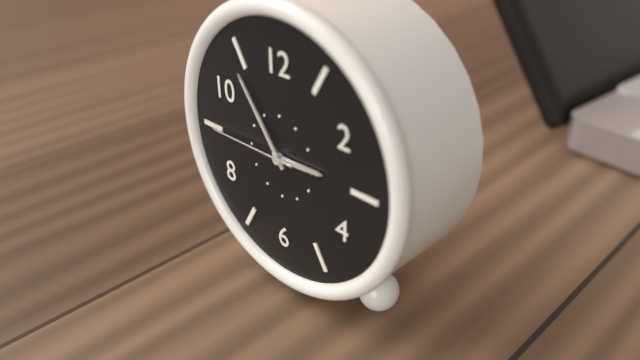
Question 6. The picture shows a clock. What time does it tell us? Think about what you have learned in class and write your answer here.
2:54:45
